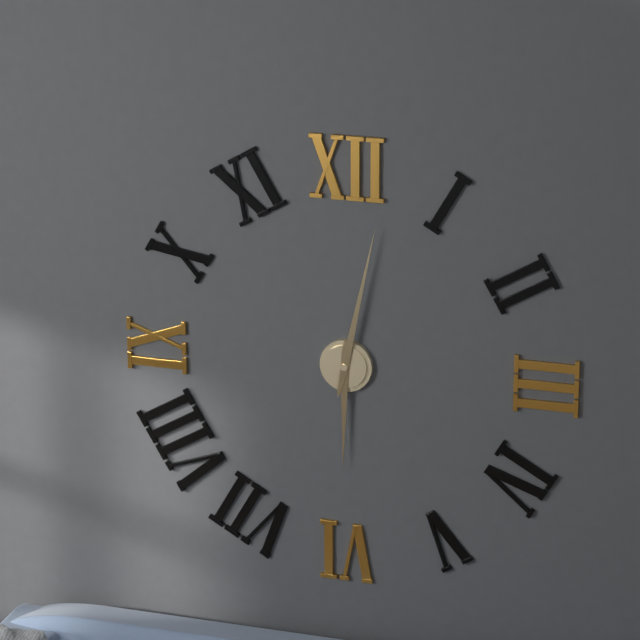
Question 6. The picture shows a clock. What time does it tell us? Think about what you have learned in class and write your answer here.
6:02
